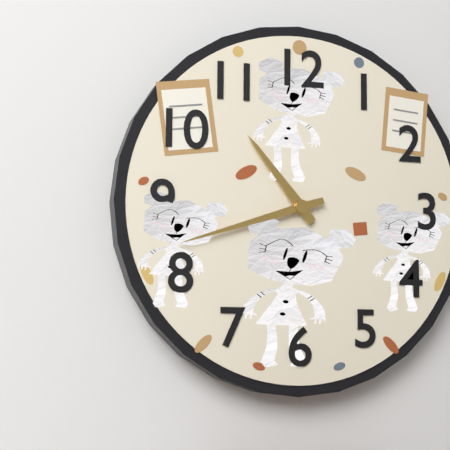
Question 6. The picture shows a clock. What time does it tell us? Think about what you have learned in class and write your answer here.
10:42
